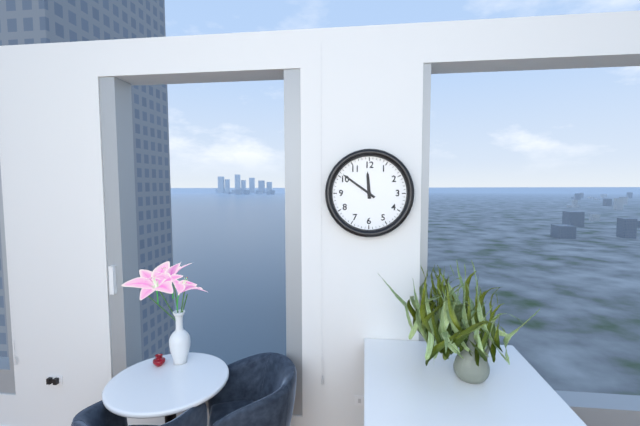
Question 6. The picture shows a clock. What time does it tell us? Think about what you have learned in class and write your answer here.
11:51
